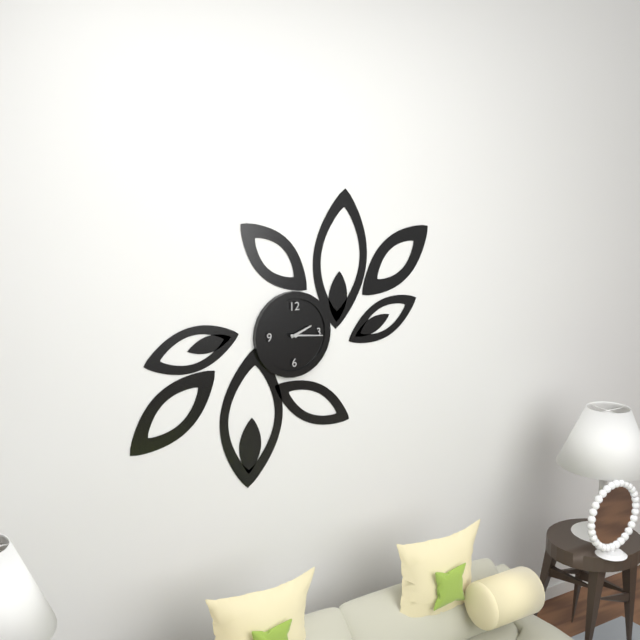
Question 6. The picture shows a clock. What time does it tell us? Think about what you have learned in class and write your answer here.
2:16
